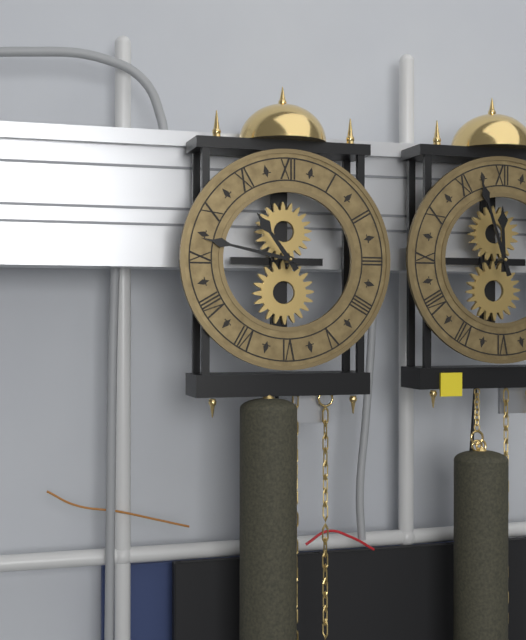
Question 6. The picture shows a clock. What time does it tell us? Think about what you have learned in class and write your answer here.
10:47
